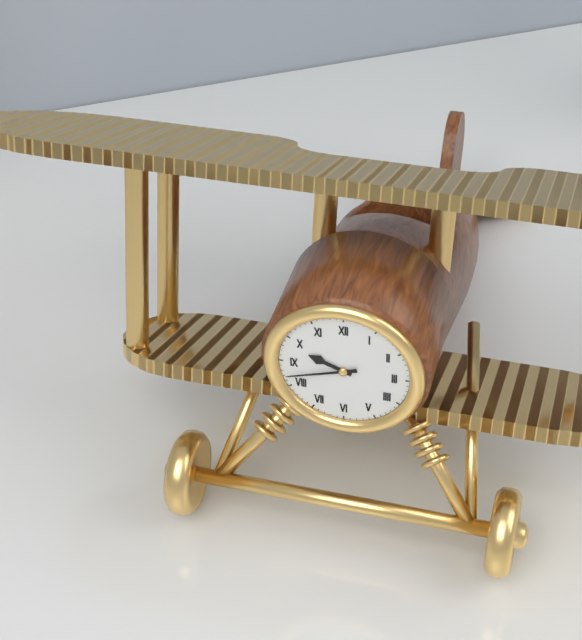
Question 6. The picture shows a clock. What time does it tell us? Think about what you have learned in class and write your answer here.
9:42
